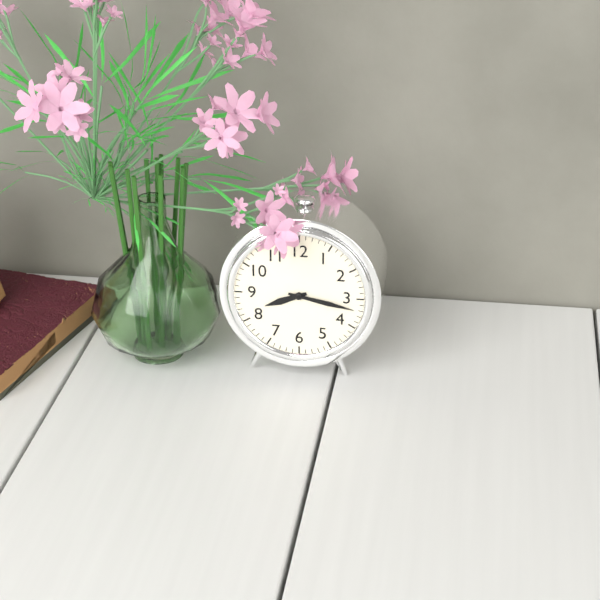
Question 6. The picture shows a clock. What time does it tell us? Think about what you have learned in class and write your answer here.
8:17
